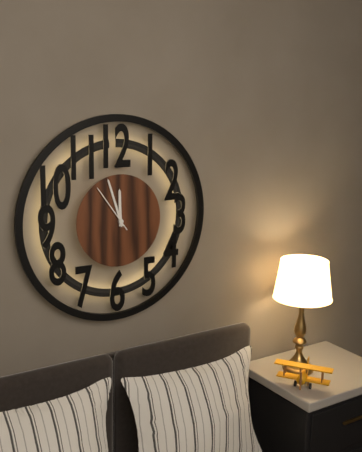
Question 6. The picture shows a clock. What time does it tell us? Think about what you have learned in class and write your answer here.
11:57:54
